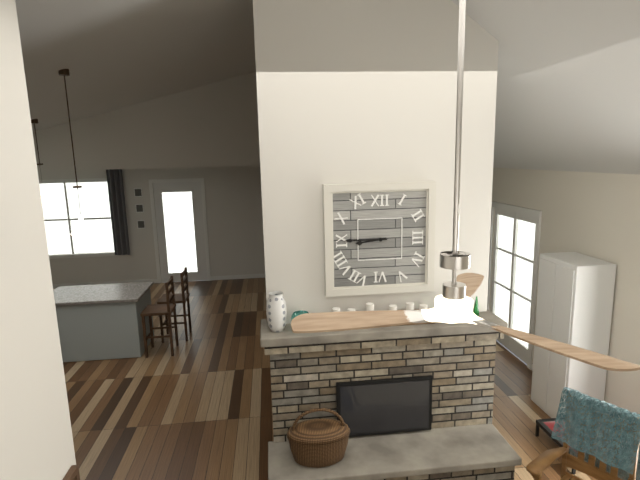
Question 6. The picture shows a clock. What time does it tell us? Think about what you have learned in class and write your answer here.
8:45
